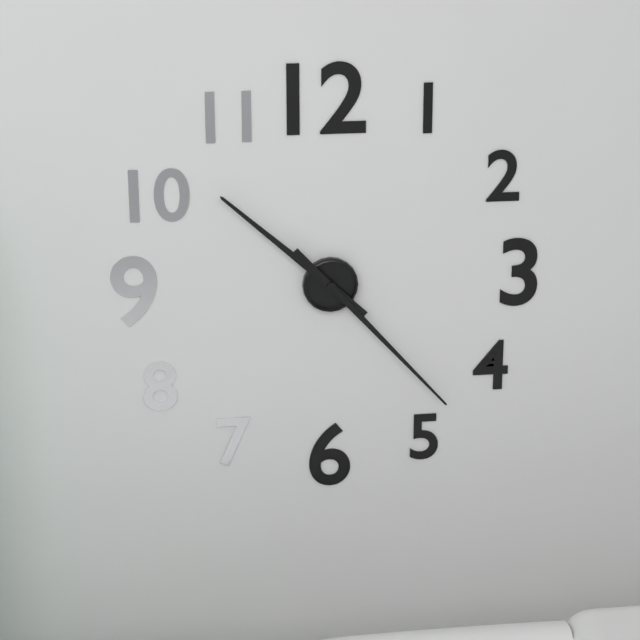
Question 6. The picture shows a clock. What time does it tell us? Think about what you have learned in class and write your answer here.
10:23
